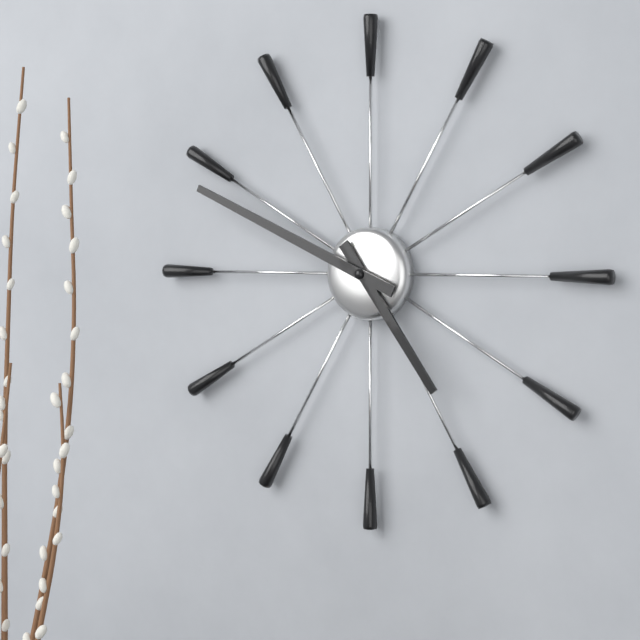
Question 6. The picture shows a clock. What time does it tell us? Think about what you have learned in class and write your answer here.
4:49
